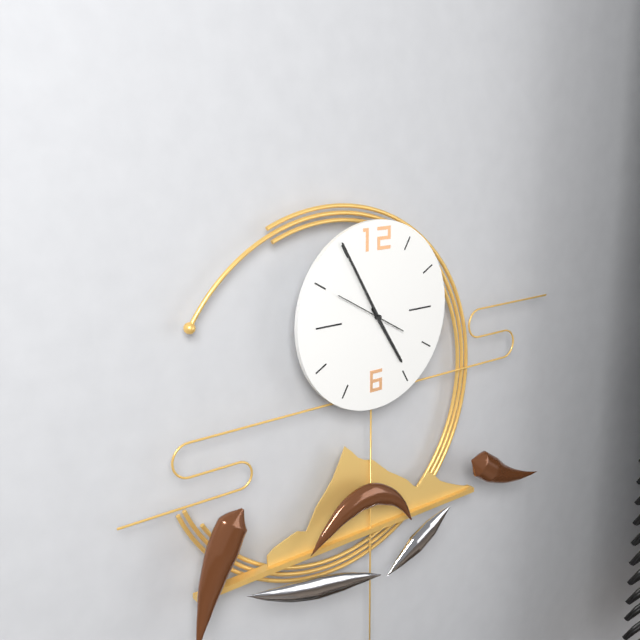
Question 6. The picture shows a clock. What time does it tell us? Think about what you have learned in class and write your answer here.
4:55
